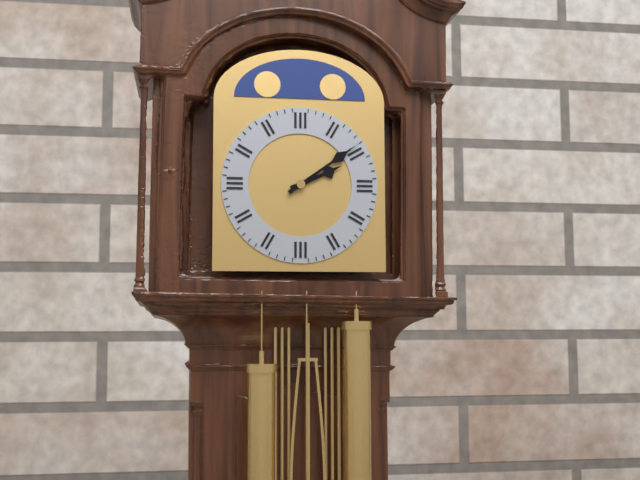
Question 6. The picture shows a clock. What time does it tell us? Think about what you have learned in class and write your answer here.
2:09
